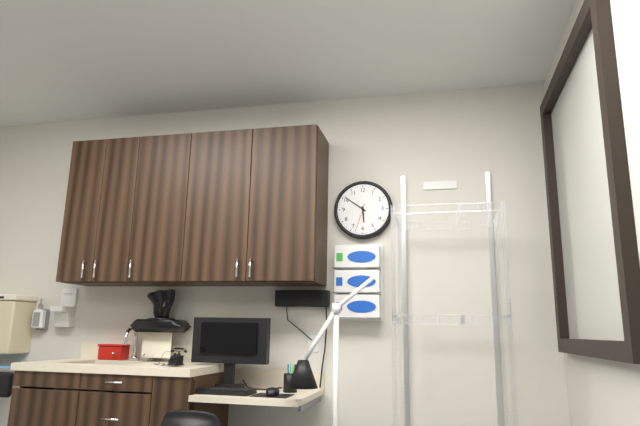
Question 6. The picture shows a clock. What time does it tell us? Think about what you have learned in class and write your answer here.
5:51
